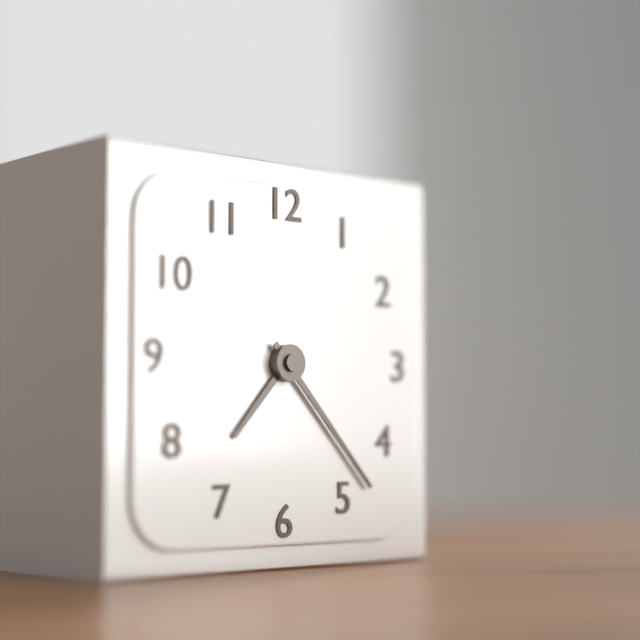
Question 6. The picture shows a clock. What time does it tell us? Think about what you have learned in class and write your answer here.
7:23
